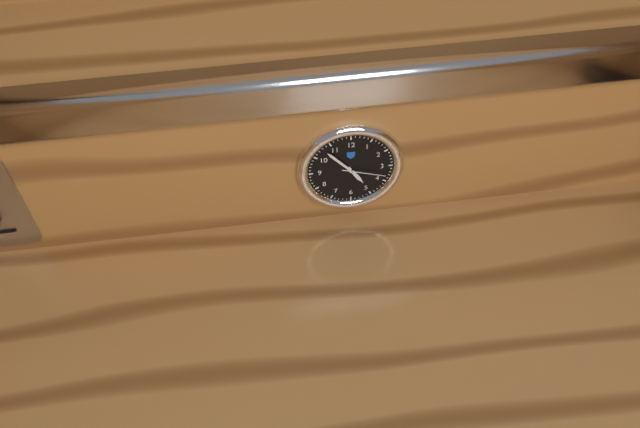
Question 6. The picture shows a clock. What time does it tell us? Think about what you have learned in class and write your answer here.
4:53
